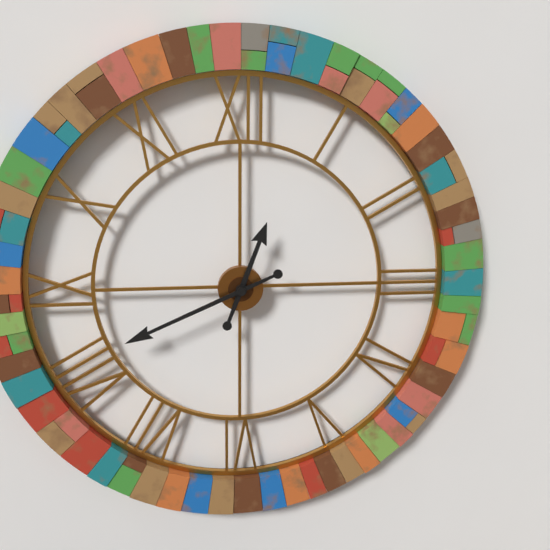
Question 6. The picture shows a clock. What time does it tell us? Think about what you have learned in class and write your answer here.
12:41
